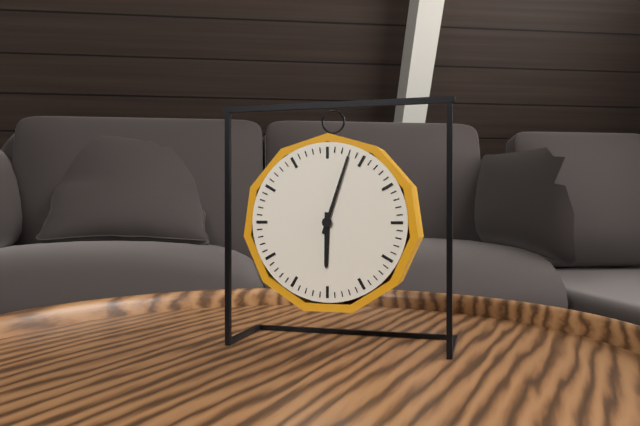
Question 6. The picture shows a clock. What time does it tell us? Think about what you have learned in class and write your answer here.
6:03
